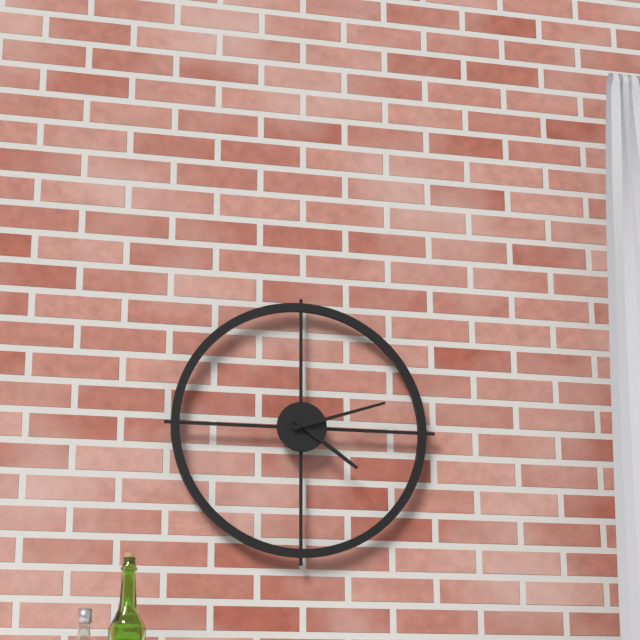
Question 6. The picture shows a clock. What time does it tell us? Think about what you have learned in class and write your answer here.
4:12
